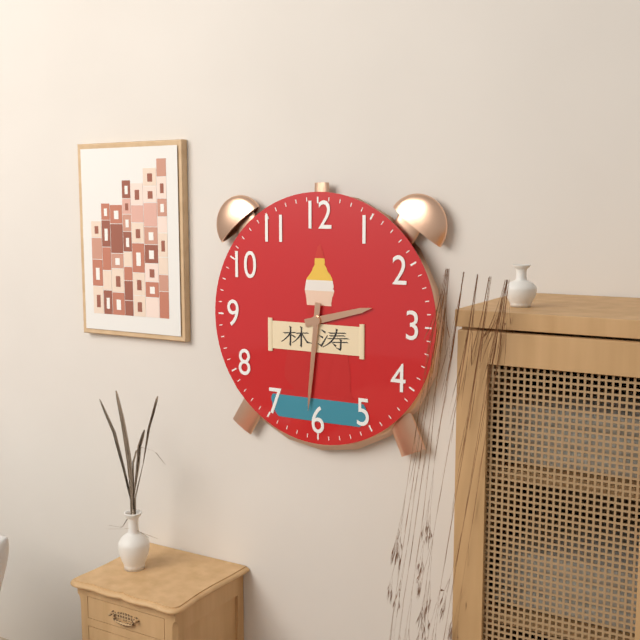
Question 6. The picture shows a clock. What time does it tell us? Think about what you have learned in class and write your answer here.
2:31
